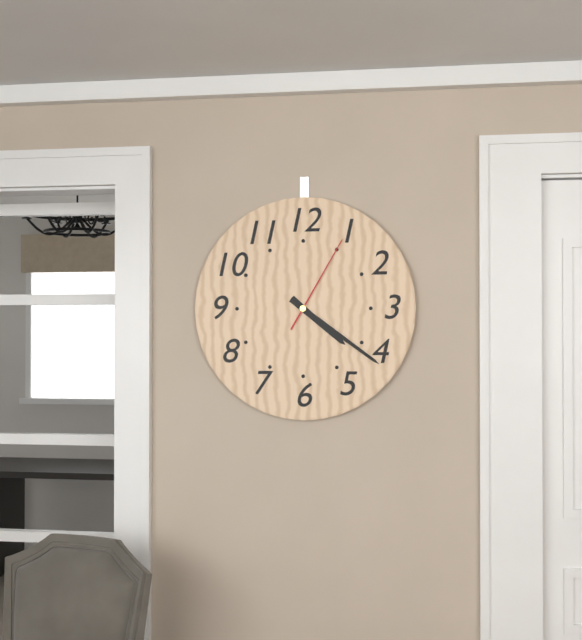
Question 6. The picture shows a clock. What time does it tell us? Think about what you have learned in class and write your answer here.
4:21:05
